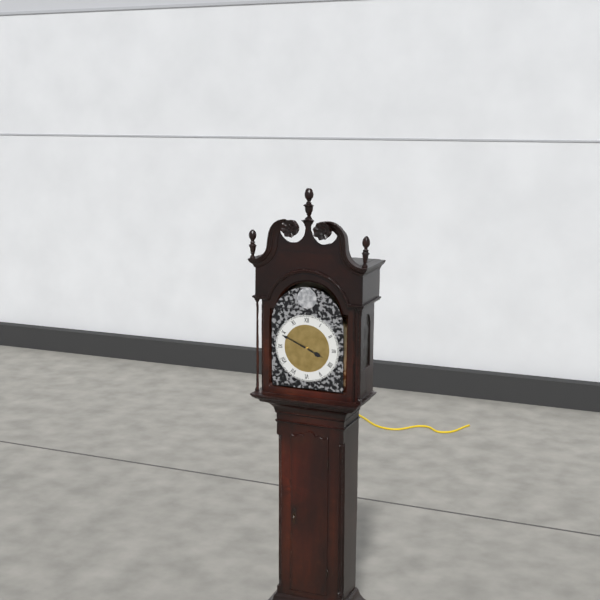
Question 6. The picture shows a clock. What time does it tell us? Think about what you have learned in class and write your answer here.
3:49
